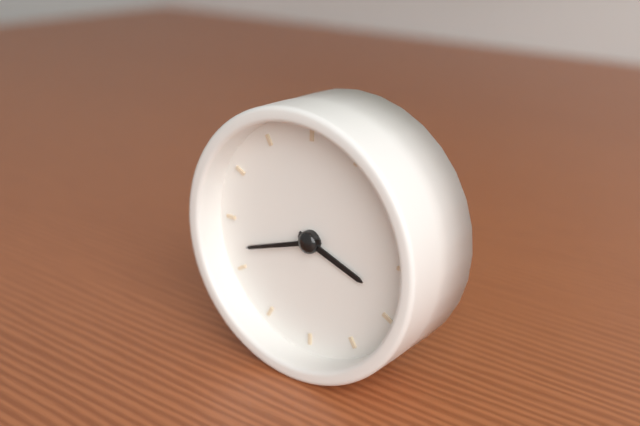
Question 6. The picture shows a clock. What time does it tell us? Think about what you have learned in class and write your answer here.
3:42
